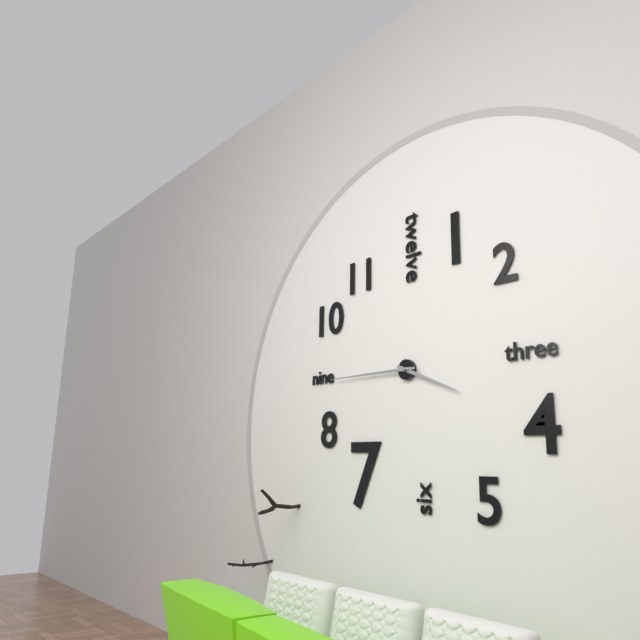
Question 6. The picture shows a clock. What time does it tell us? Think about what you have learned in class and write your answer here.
3:45
